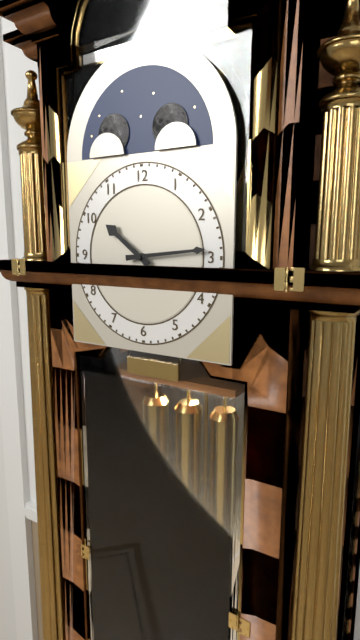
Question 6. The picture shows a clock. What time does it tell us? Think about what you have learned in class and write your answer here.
10:14
